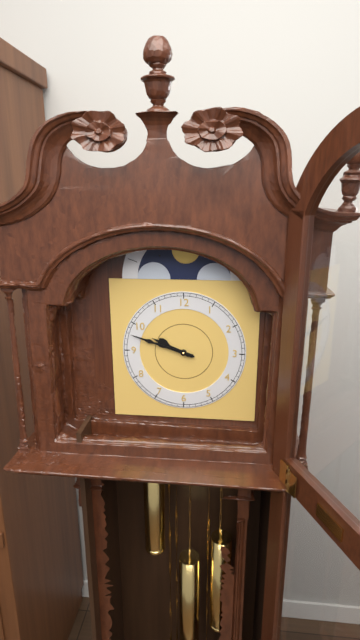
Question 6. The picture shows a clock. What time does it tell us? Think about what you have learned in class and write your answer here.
9:48
